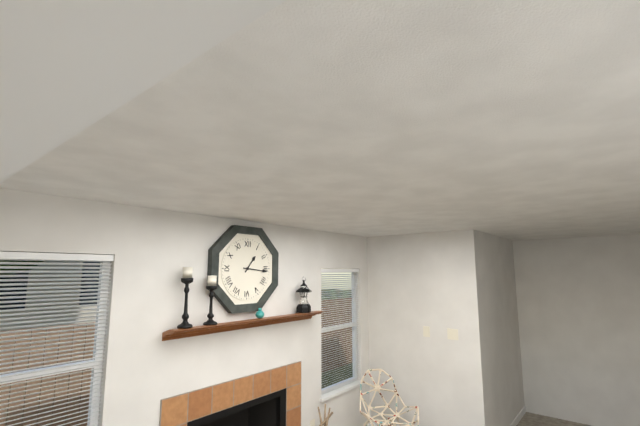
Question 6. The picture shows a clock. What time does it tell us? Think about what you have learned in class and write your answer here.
1:16
